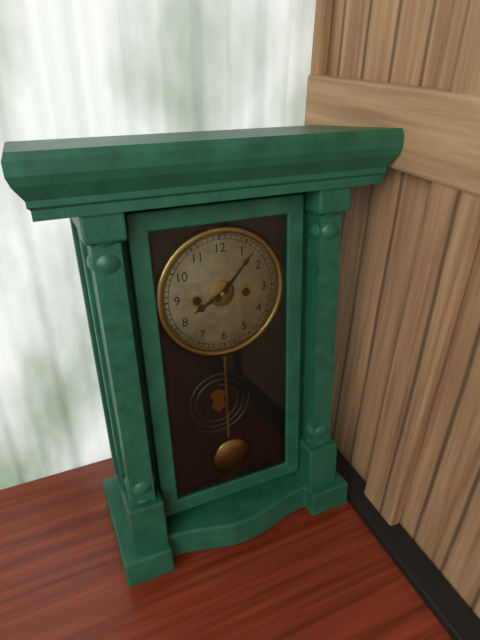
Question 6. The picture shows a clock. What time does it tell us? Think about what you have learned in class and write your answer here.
8:07
